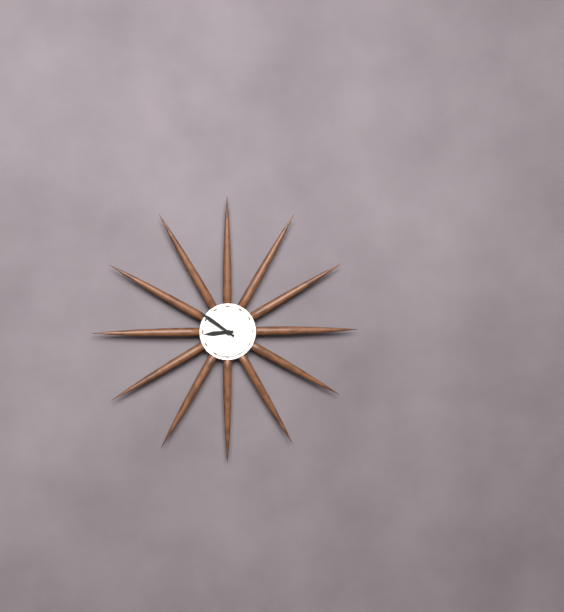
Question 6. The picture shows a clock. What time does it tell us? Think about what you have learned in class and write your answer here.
8:51
